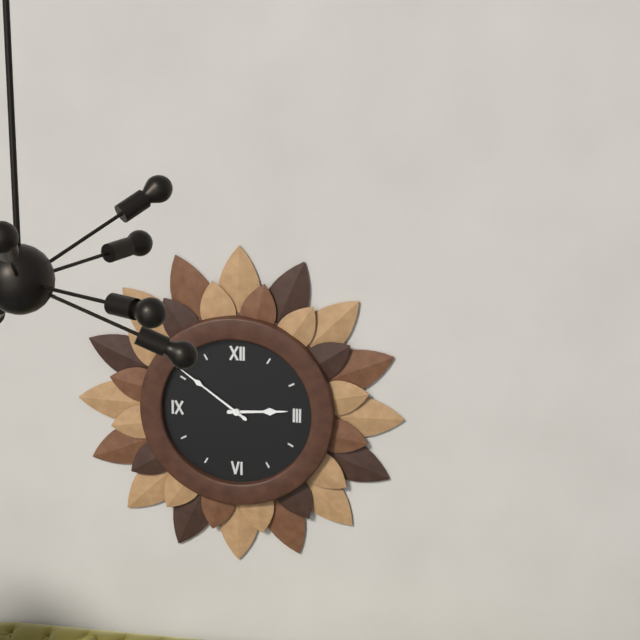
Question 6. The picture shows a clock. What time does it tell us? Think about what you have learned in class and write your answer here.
2:51
